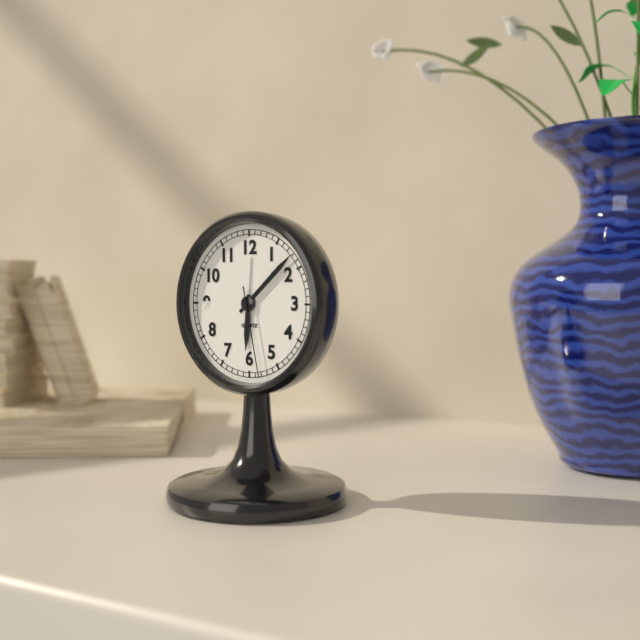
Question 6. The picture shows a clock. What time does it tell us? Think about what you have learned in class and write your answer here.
6:08:28
